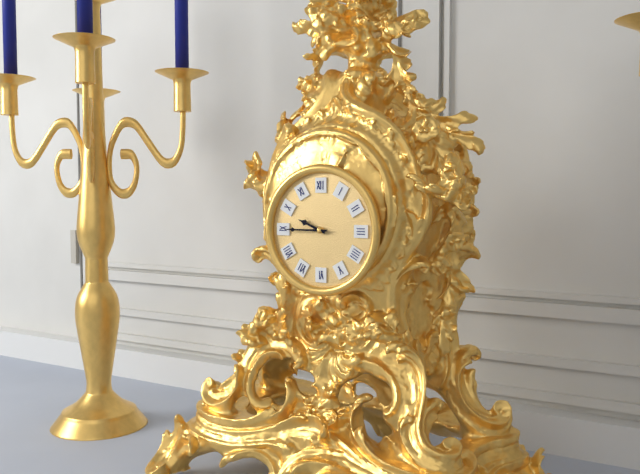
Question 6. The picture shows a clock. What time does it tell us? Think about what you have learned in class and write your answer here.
9:45
